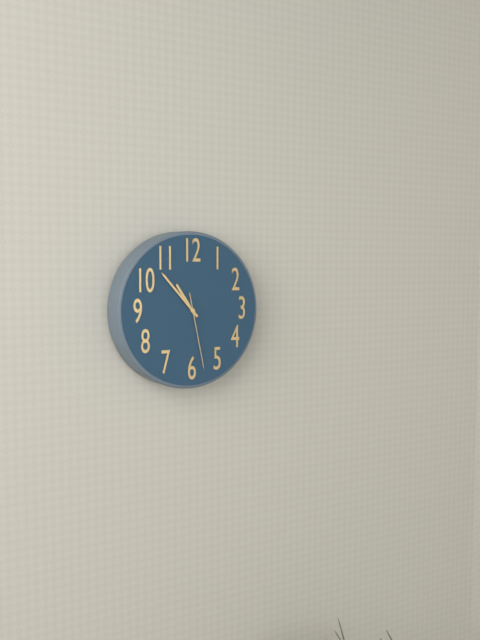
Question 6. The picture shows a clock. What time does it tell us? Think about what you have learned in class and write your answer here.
10:53:28
